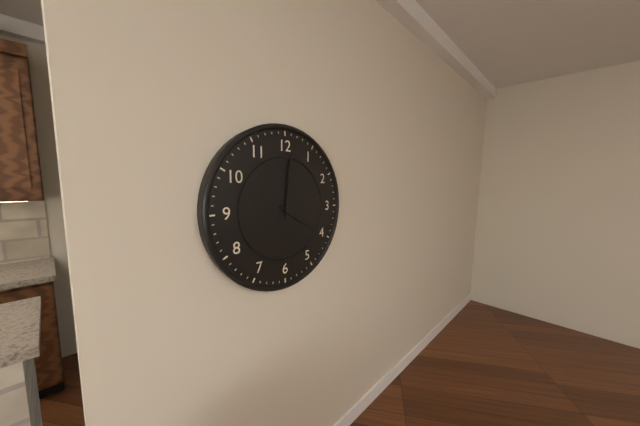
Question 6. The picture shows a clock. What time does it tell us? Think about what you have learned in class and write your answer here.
4:01
